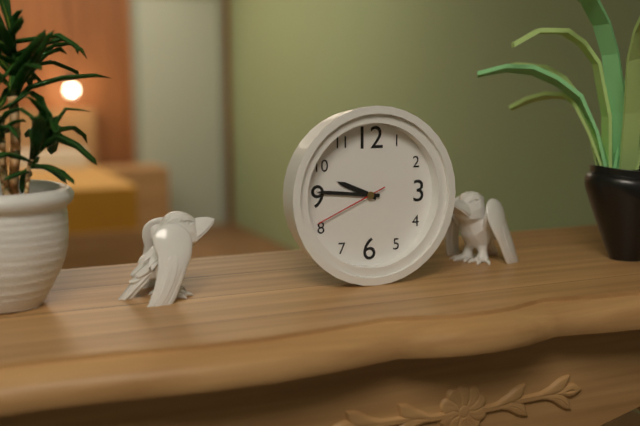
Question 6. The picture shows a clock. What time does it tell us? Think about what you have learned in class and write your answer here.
9:46:41
